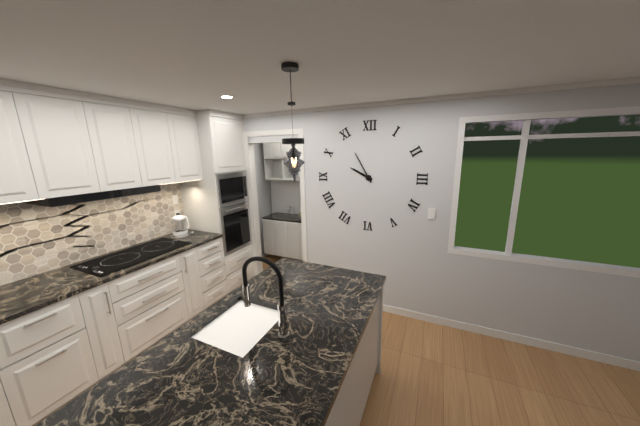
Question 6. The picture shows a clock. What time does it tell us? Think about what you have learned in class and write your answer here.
9:55
